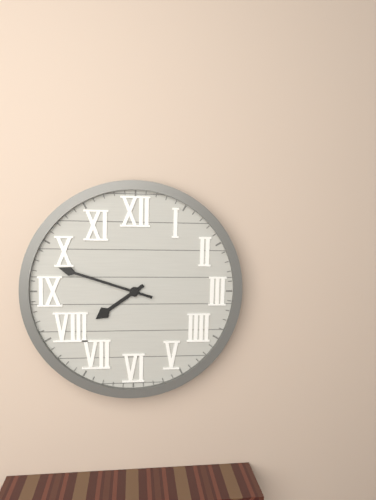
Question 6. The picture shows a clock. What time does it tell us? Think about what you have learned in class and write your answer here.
7:48
